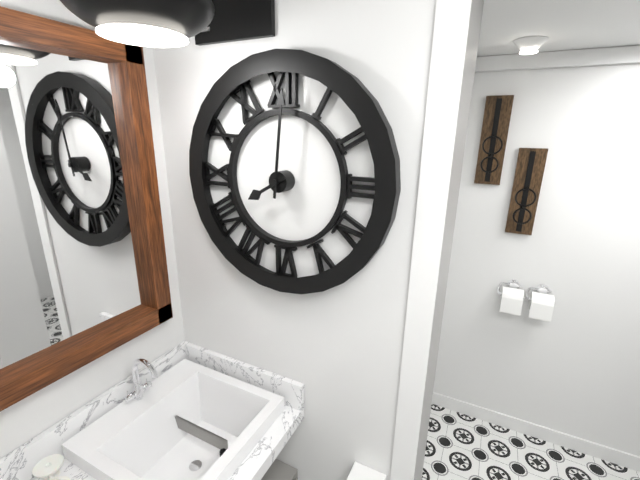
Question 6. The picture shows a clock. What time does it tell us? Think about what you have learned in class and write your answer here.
8:01
